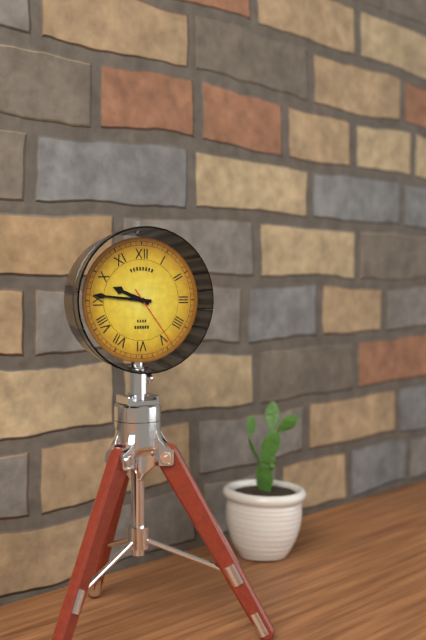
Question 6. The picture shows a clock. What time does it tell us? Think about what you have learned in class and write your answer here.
9:46:24
